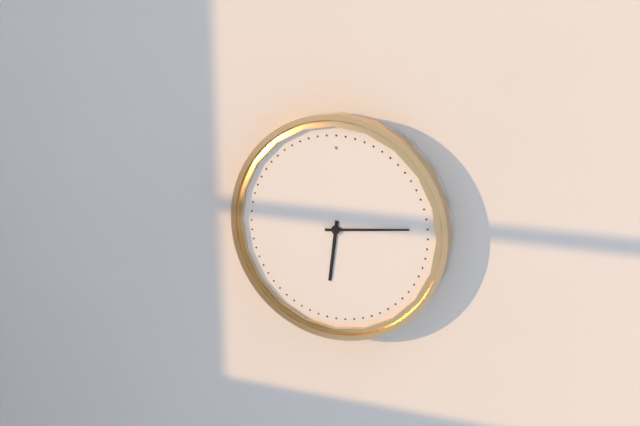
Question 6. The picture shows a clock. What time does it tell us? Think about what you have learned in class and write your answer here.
6:14
